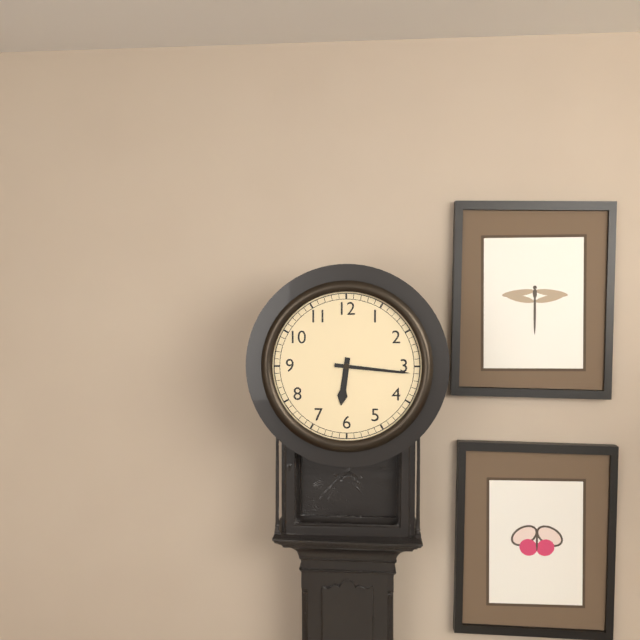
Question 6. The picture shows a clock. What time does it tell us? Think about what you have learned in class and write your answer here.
6:16
